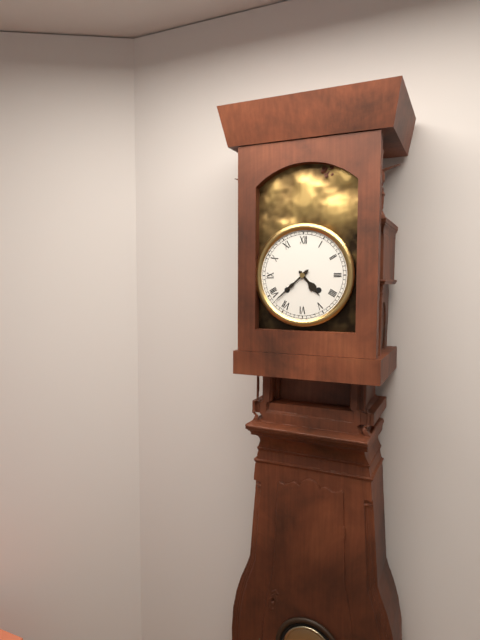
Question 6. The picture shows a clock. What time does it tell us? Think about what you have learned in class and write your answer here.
4:38
